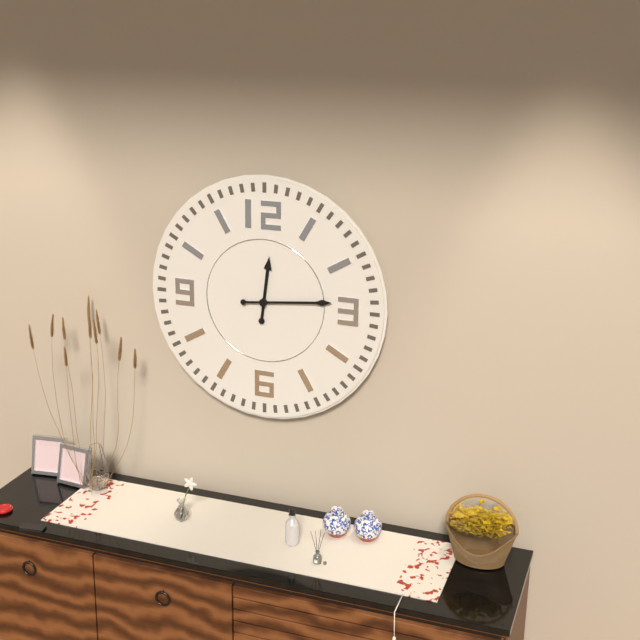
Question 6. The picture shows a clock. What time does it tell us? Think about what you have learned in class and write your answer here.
12:14
